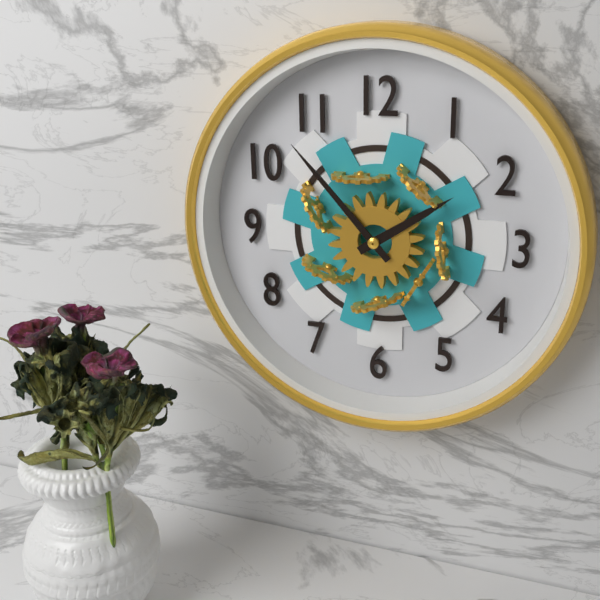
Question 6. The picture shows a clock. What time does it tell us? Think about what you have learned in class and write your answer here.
1:53
